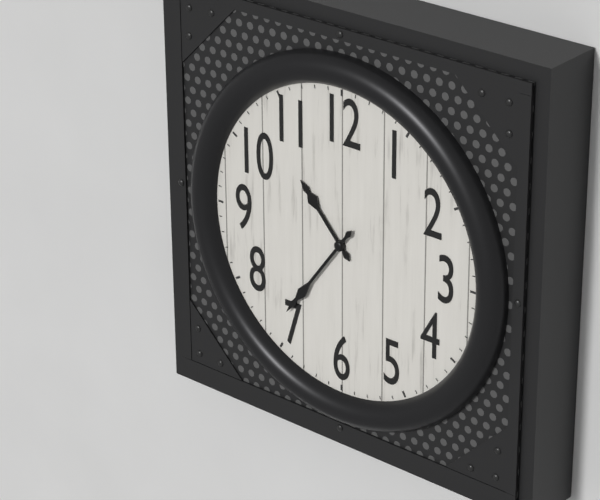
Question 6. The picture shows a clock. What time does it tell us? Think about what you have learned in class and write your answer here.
10:36
